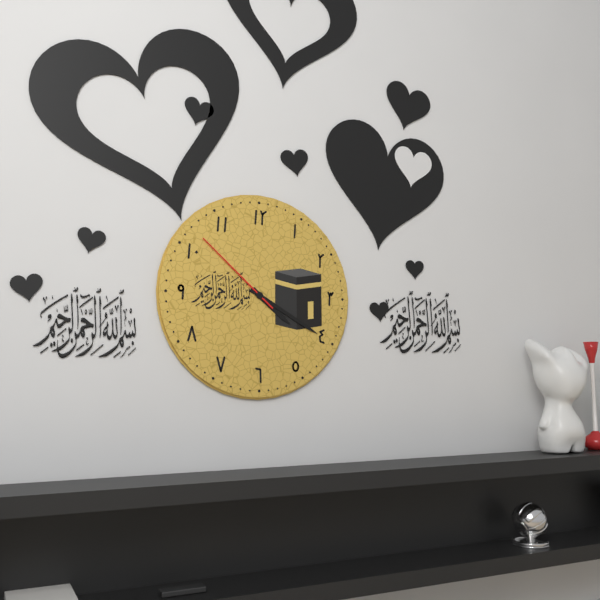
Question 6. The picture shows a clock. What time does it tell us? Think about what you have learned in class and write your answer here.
4:20:52
